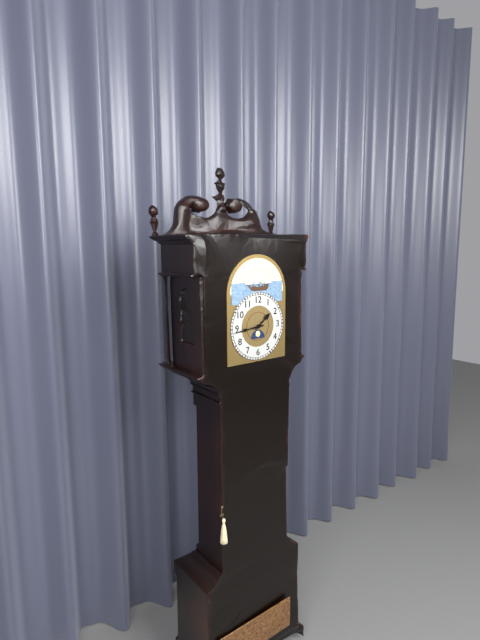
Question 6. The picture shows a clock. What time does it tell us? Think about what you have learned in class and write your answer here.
1:44
